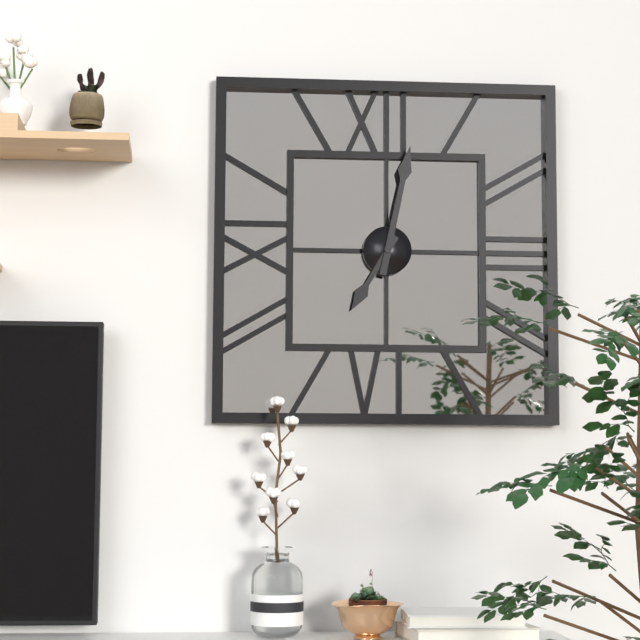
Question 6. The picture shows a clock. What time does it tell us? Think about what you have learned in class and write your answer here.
7:02
